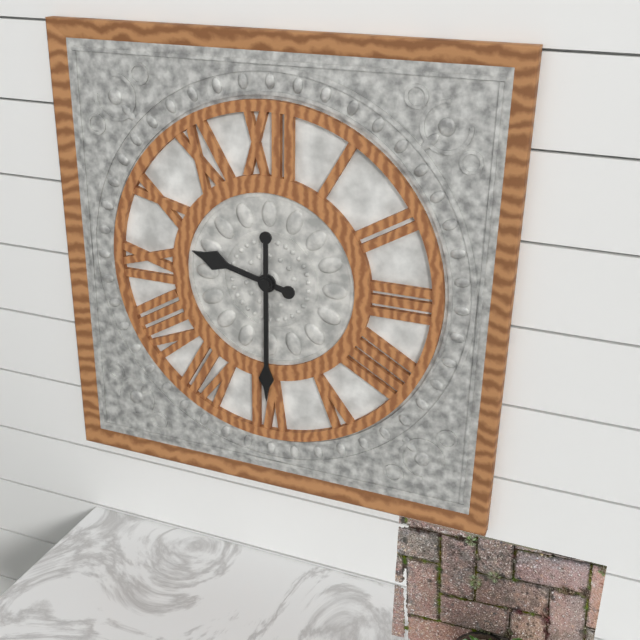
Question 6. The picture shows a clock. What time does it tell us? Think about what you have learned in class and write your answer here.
9:30
